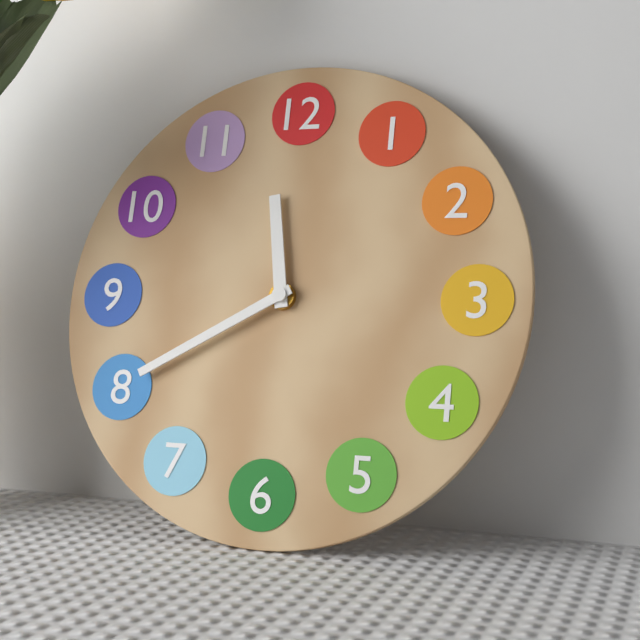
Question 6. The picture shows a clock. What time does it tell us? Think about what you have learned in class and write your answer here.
11:40
